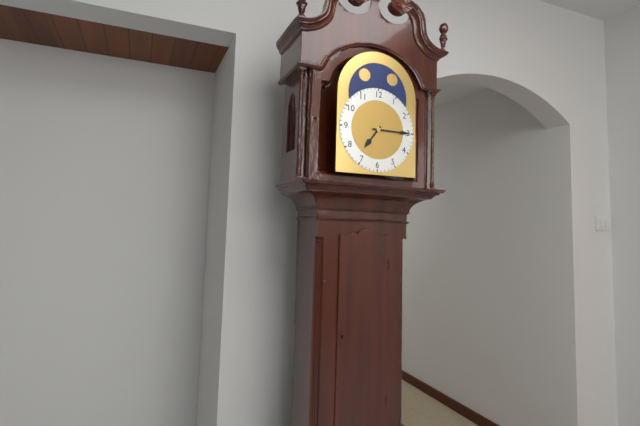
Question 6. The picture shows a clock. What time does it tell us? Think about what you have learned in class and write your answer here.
7:15
